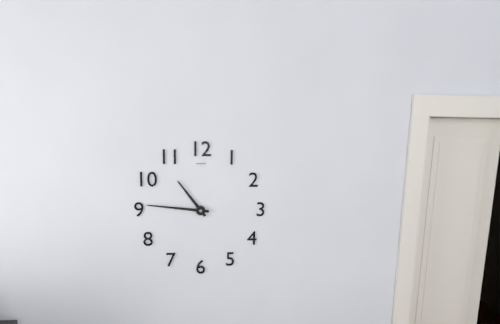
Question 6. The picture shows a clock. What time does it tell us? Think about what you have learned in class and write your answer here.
10:46
